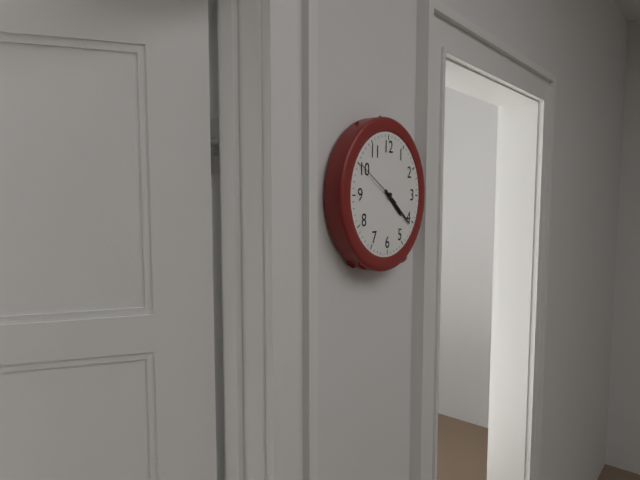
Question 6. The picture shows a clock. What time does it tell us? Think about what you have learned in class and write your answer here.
4:21:50
